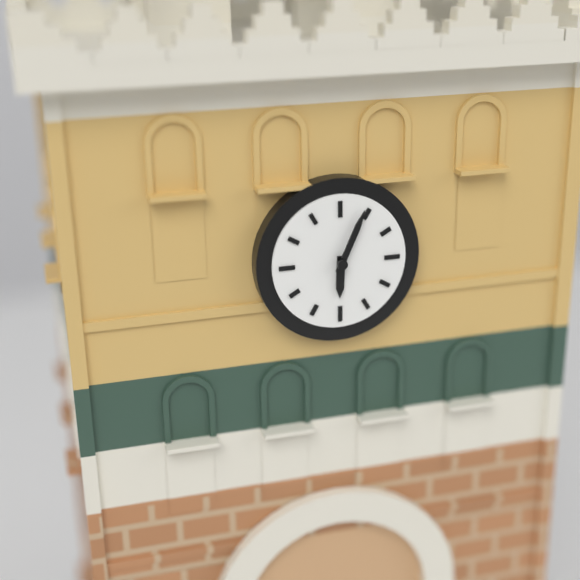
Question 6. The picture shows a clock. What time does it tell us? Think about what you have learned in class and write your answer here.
6:04
